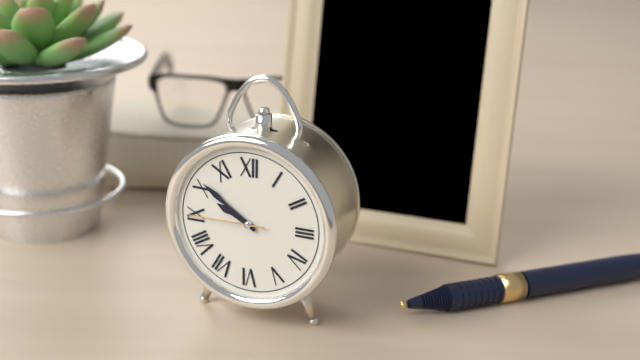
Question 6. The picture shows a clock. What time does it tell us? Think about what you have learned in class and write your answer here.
9:51:45
